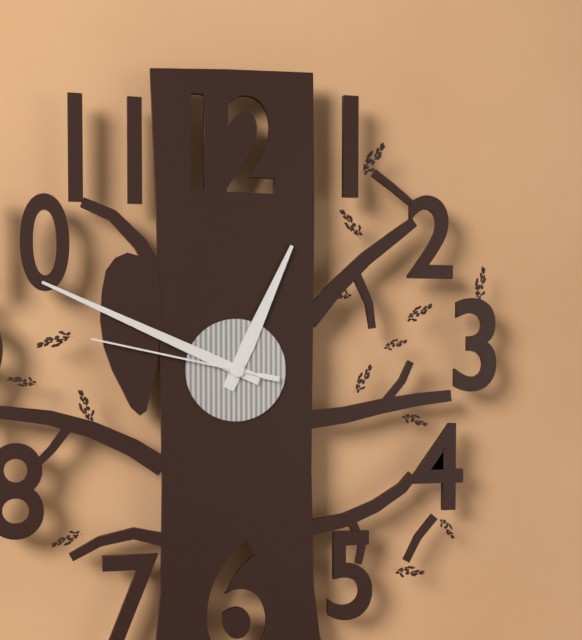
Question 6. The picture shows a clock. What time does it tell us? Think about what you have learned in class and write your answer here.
12:49:47
